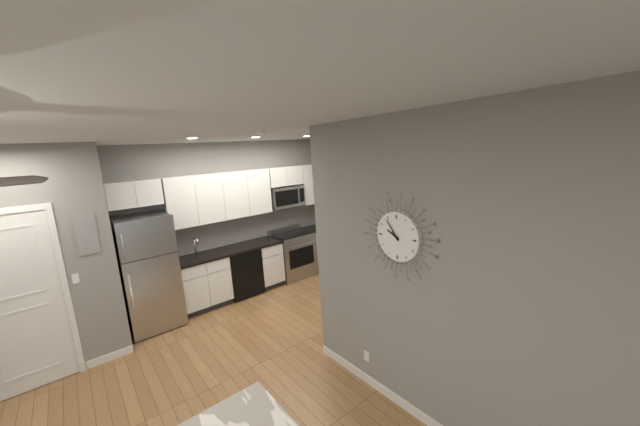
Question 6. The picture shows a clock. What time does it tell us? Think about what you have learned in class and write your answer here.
9:54
